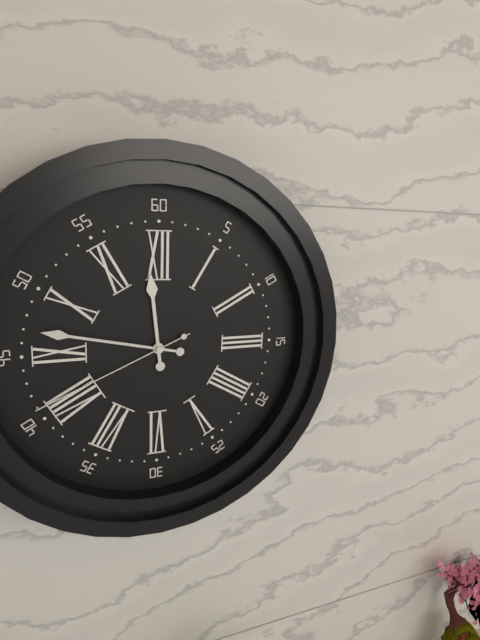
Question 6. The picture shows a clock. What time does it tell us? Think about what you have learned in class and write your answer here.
11:47:41
